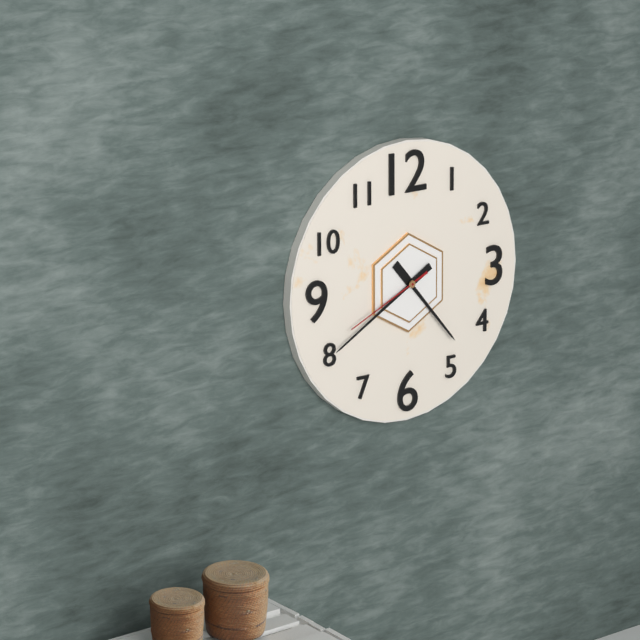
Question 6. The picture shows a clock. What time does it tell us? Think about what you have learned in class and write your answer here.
4:40:41
